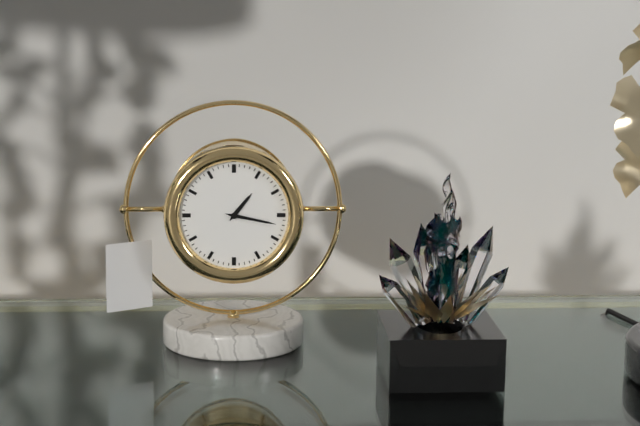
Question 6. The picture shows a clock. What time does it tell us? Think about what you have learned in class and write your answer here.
1:17
